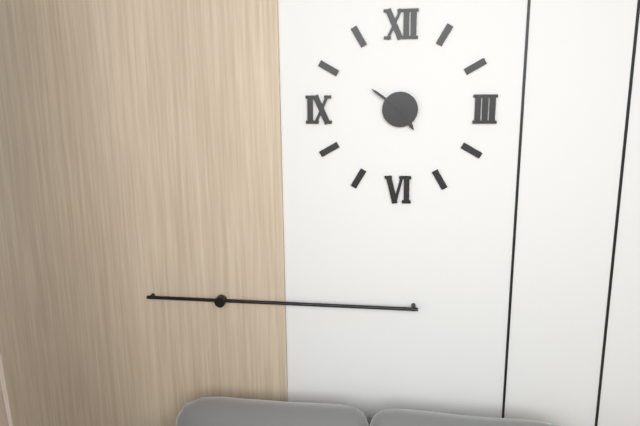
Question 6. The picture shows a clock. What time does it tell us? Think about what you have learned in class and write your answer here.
4:51
